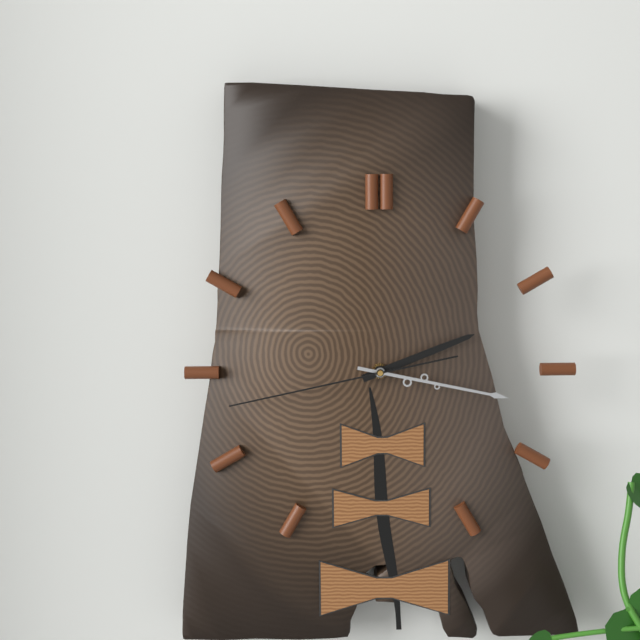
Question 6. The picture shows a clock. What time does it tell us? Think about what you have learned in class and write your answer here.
2:17:43
